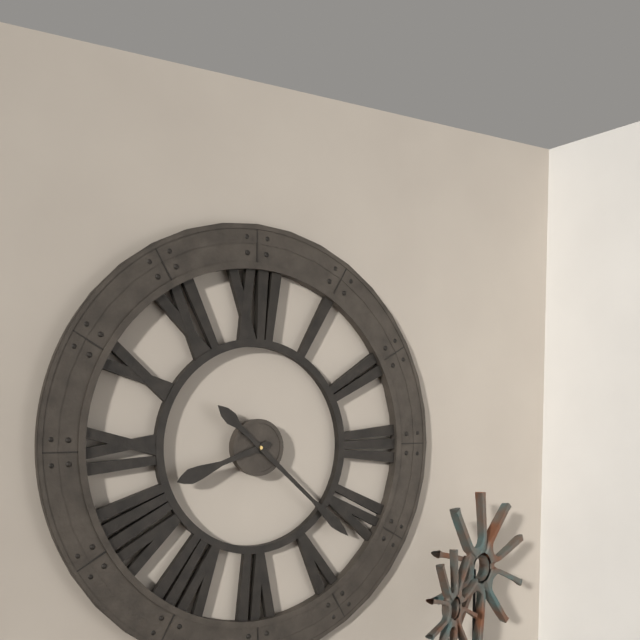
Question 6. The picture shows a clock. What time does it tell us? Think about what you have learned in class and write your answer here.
8:22
